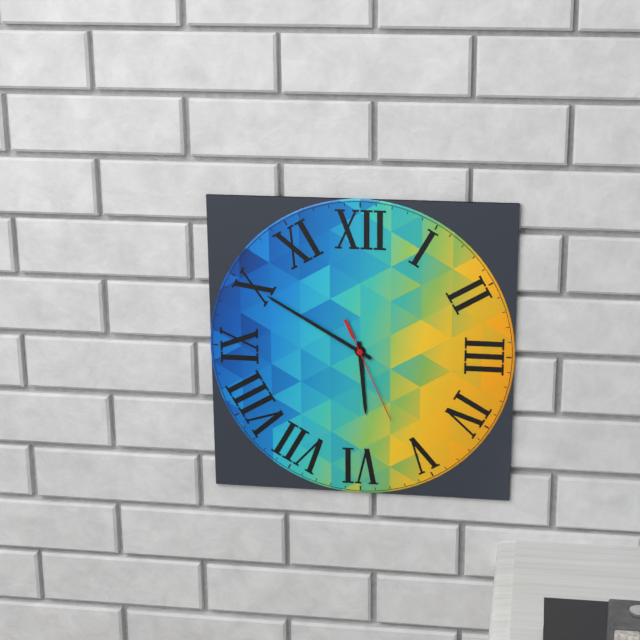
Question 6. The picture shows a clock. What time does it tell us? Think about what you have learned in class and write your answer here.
5:50:26
